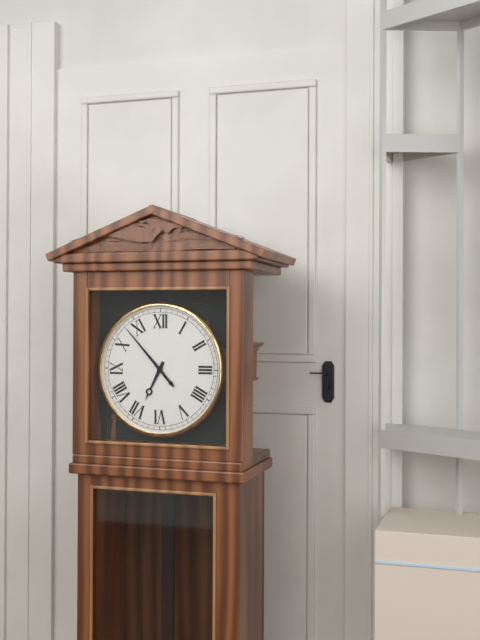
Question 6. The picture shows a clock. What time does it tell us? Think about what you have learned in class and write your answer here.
6:53
